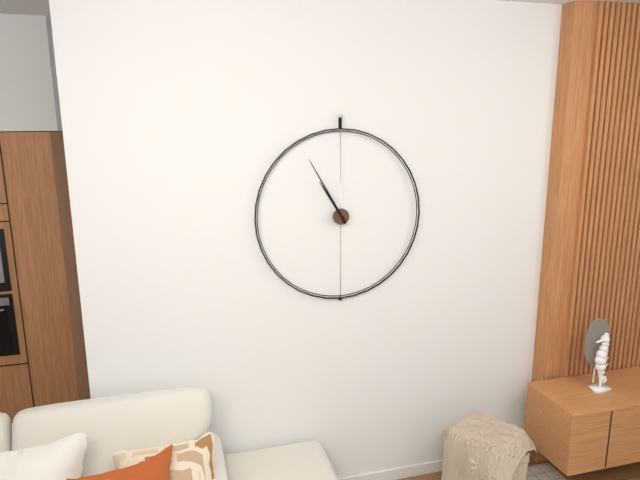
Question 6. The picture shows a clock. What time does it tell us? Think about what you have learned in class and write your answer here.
10:55
